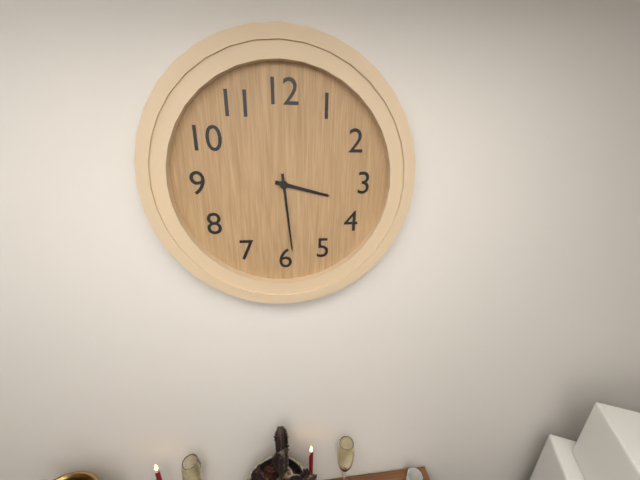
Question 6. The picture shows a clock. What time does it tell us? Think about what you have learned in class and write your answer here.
3:29
